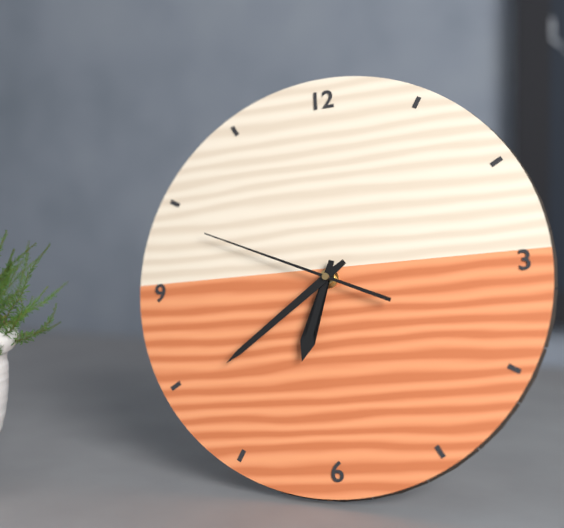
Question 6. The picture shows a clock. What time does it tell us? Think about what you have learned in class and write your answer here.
6:39:49
